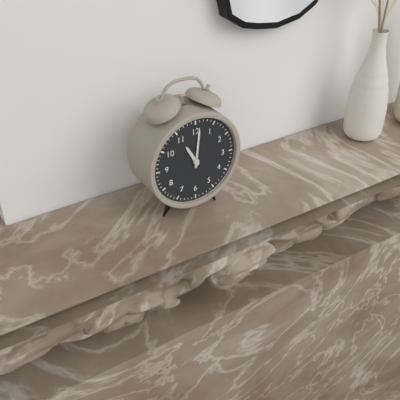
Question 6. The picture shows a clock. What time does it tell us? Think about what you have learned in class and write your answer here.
11:01
